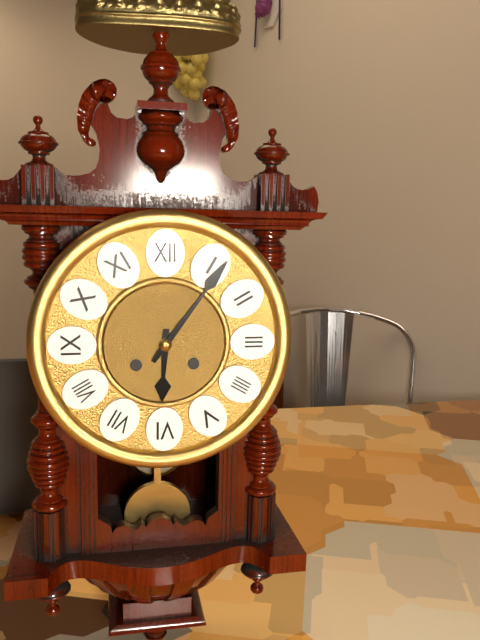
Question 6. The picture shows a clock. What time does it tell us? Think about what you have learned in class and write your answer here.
6:06
